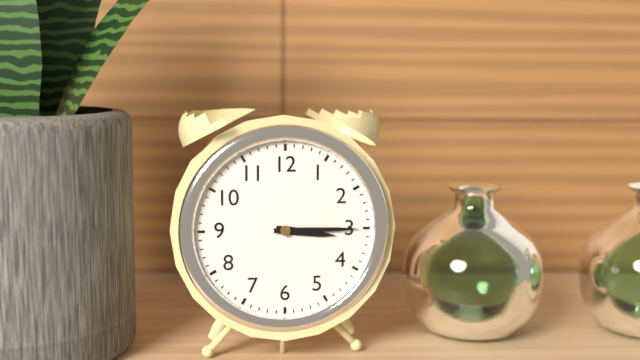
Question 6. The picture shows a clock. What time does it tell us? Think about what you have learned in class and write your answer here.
3:15
